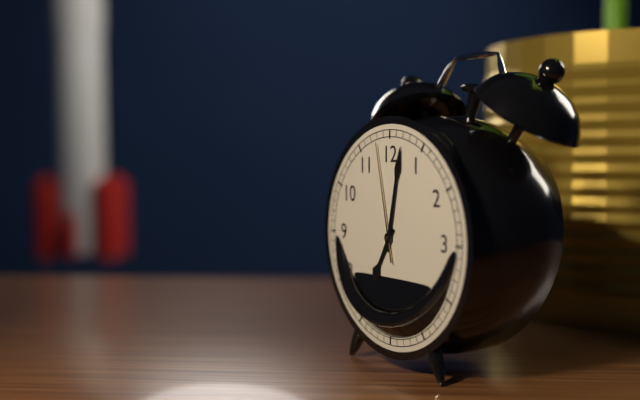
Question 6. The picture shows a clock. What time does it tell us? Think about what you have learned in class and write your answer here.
7:02:58
